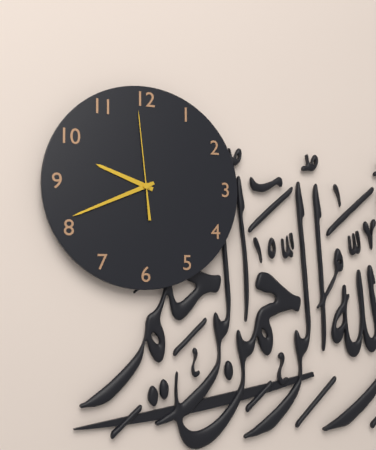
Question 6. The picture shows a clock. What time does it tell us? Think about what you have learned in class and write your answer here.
9:41:59
